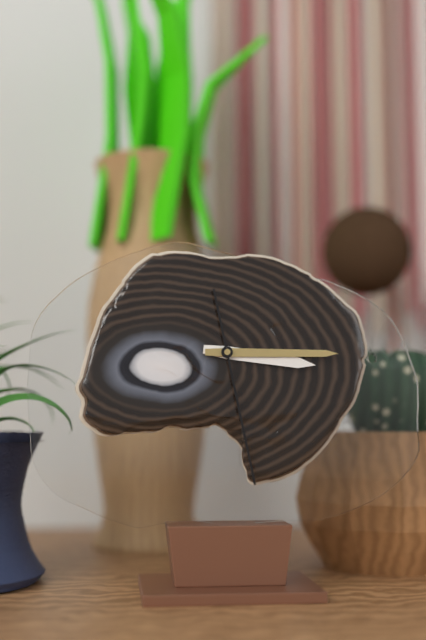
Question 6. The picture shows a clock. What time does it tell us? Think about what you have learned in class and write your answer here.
3:15:28
